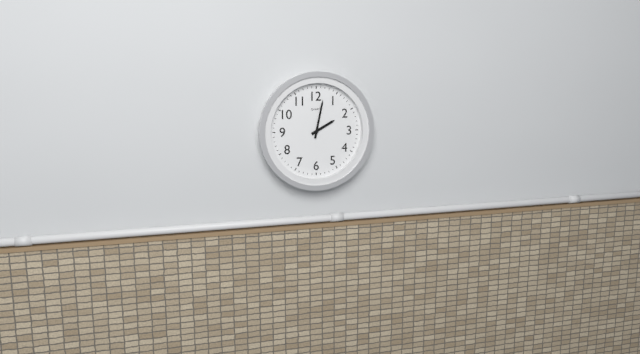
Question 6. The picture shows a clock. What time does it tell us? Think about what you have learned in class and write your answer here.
2:02
